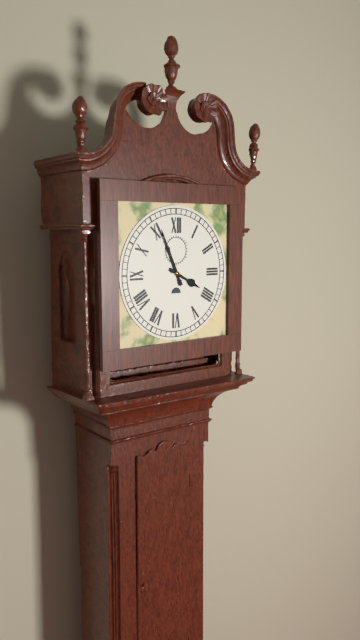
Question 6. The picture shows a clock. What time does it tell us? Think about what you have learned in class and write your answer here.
3:56
